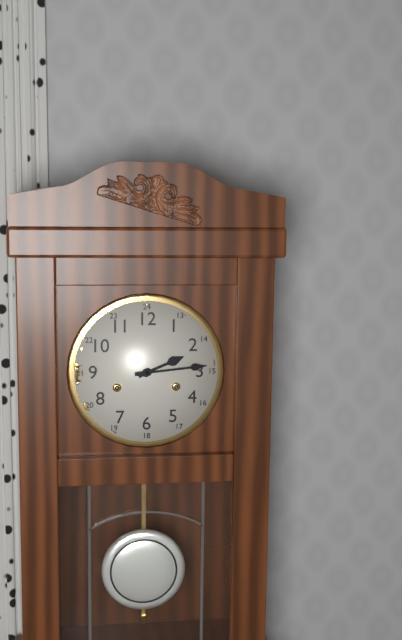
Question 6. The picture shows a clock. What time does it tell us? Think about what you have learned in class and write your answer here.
2:14
